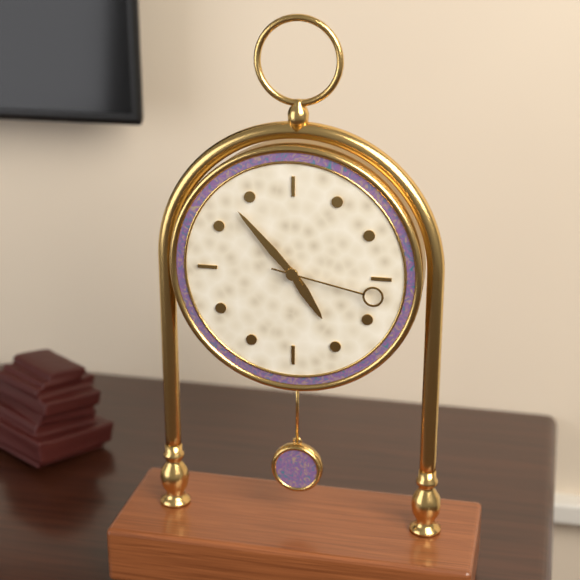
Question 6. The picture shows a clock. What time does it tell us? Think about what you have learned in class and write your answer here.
4:53:17
